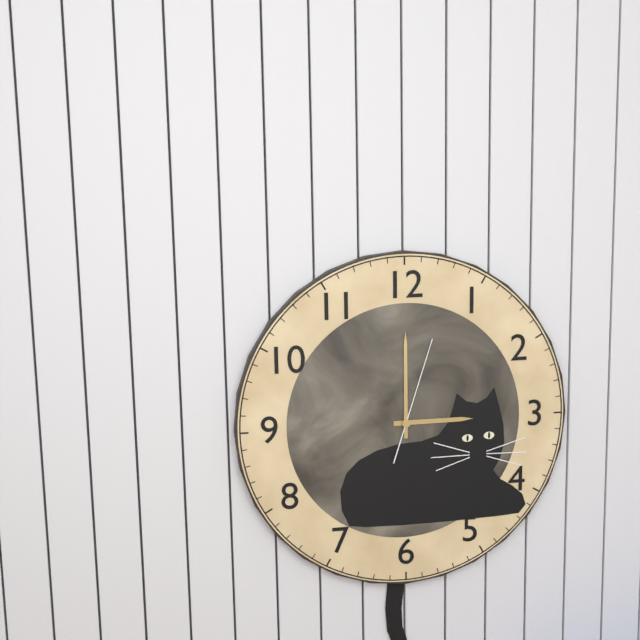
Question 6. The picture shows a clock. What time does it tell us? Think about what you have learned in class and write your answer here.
3:00:03
